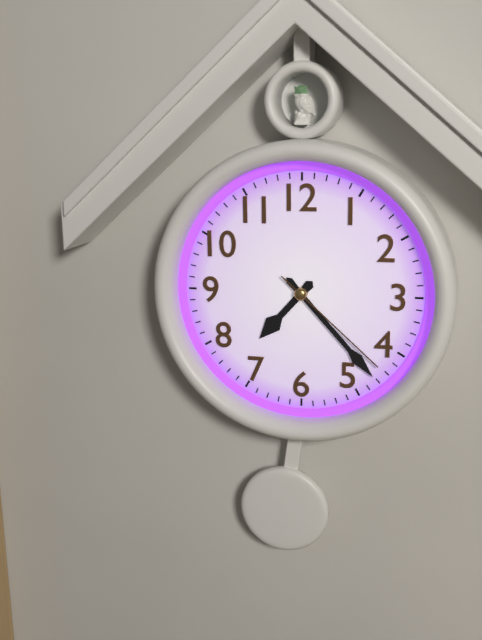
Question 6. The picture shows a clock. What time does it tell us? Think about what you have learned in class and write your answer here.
7:23:22
